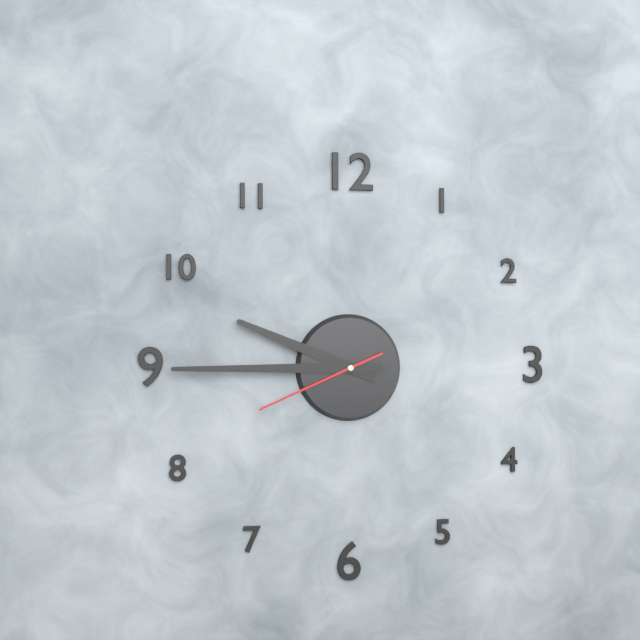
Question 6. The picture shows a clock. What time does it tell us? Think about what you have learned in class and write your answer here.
9:45:41
